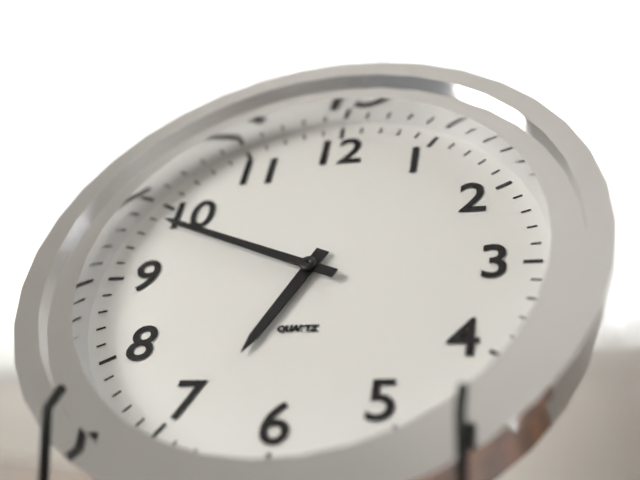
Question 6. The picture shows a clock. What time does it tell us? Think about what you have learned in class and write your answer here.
6:49
